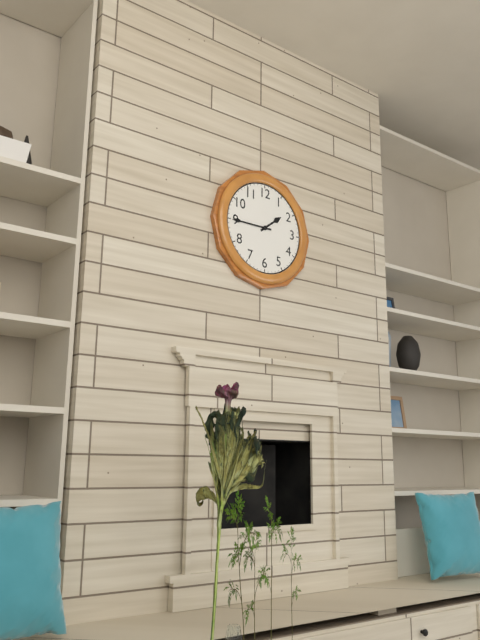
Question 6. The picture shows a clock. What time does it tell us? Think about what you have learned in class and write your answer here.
1:45
